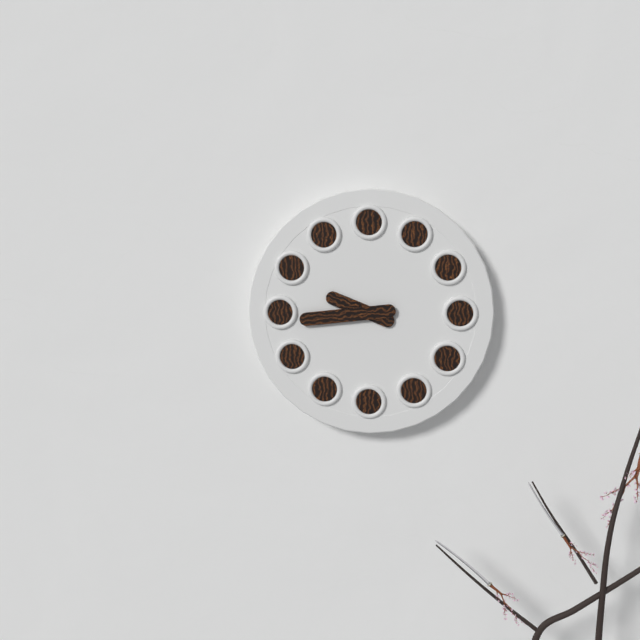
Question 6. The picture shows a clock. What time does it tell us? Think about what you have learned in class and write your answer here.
9:44
